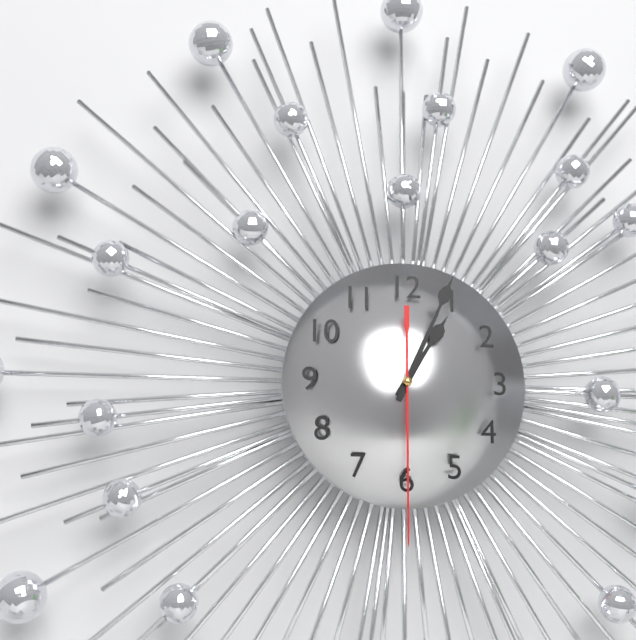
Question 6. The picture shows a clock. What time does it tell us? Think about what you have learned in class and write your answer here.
1:04:30
